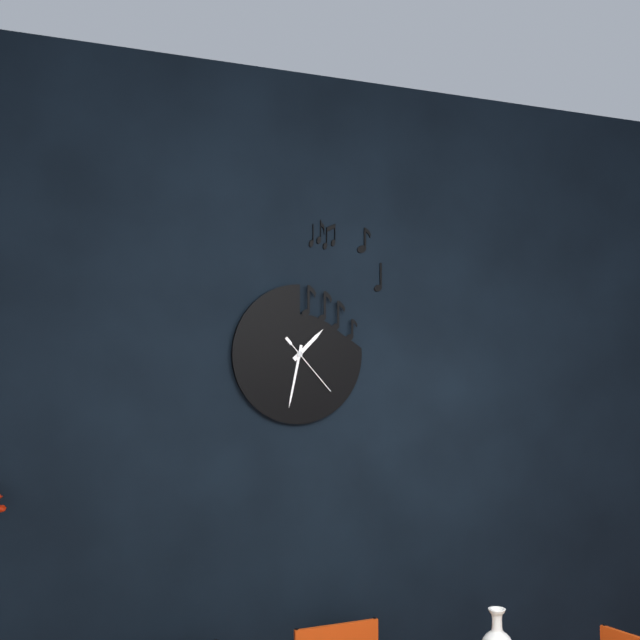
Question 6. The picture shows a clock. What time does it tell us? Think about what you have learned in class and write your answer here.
1:32:23
